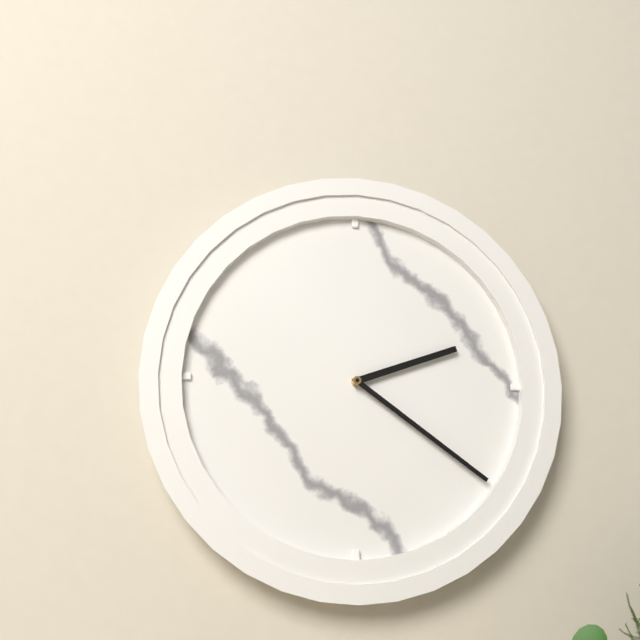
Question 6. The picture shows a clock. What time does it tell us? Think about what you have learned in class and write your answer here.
2:21
